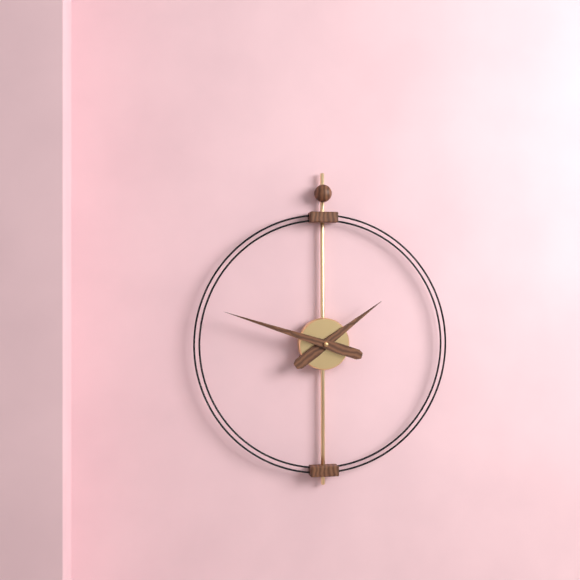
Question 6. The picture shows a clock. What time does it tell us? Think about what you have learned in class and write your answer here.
1:48
